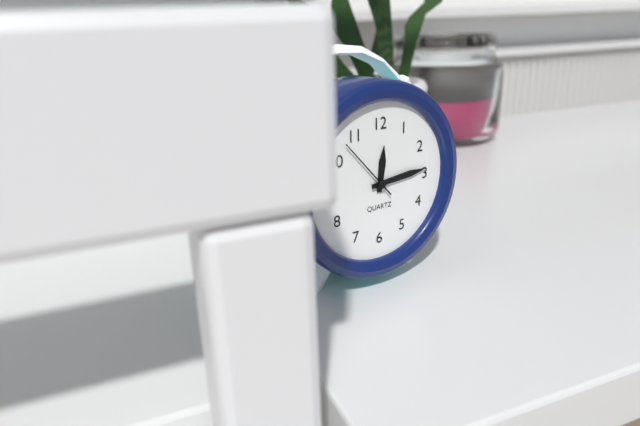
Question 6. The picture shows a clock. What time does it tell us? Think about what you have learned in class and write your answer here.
12:14:53
